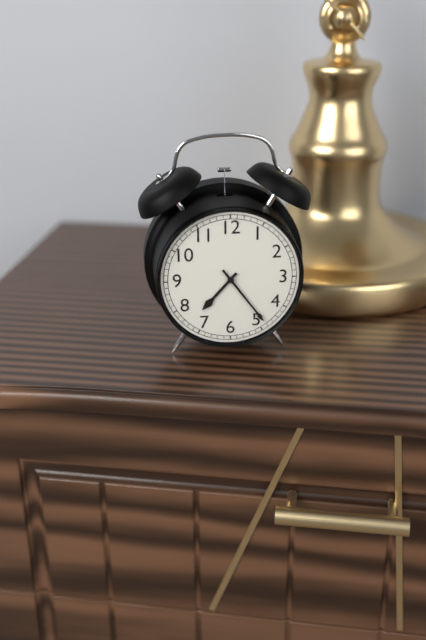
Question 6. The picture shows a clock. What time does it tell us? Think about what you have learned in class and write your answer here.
7:24
